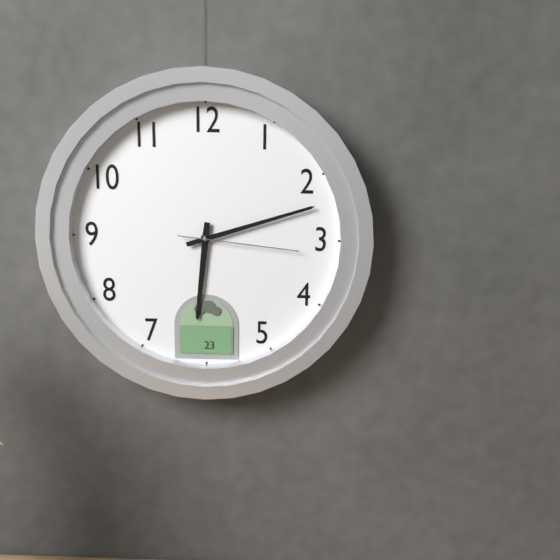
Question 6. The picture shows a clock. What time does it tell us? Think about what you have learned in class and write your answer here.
6:12:16
